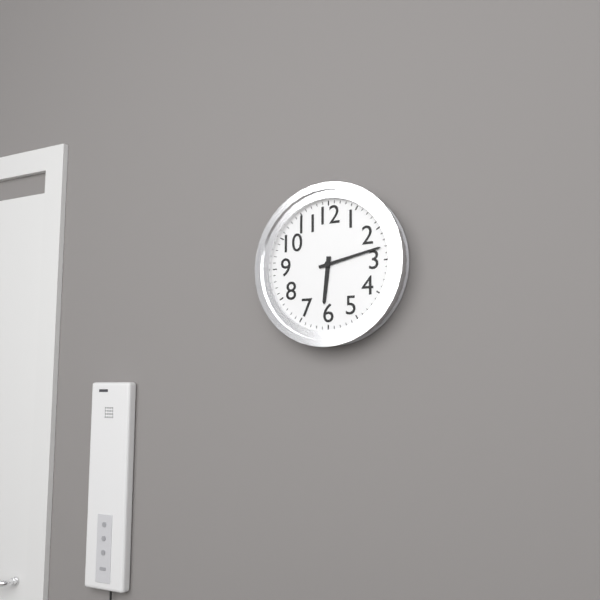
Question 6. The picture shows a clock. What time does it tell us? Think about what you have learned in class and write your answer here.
6:13
